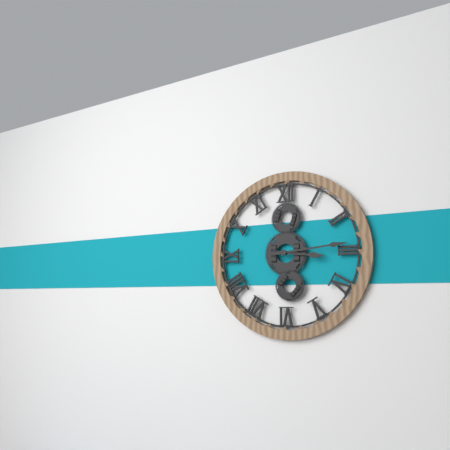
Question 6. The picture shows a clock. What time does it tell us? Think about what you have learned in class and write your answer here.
3:14
